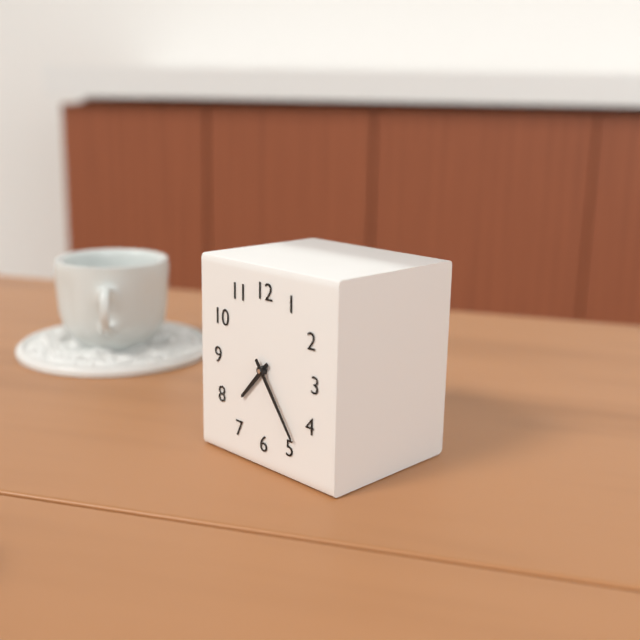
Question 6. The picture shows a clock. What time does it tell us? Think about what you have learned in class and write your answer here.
7:24
